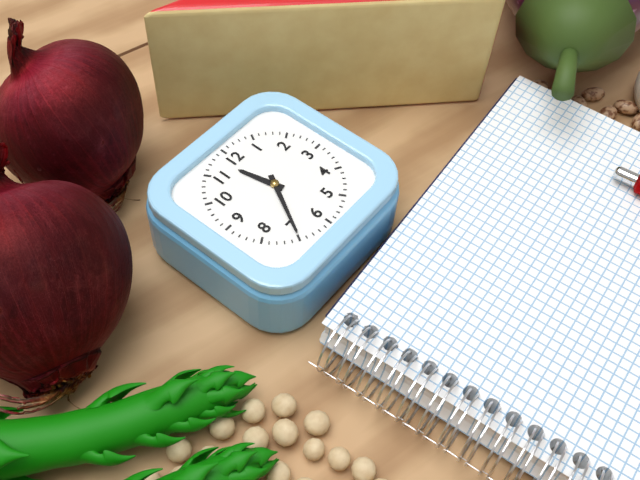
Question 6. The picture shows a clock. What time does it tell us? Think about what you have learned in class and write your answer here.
11:35
